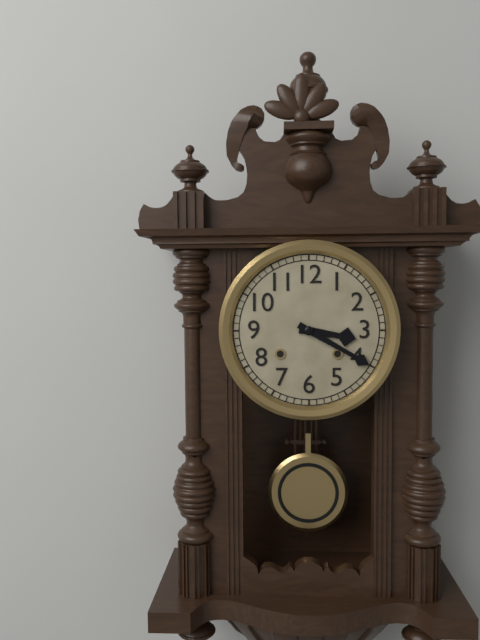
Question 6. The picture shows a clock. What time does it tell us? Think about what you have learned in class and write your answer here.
3:20
